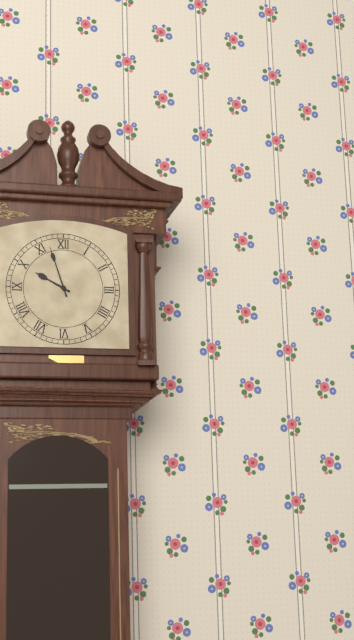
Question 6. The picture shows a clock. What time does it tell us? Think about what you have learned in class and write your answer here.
9:57
